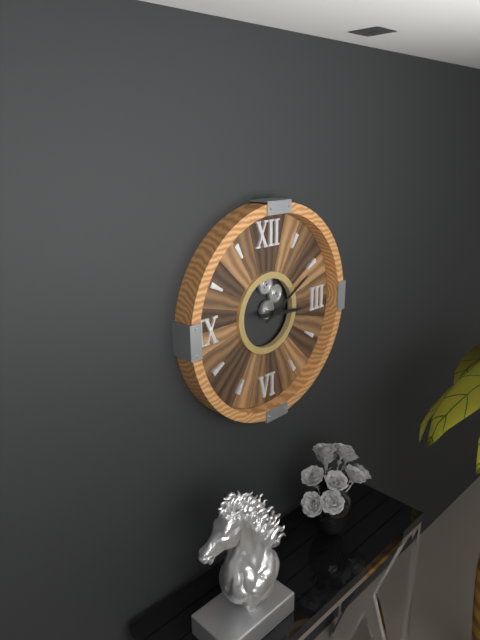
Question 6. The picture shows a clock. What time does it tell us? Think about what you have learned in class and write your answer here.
3:10
